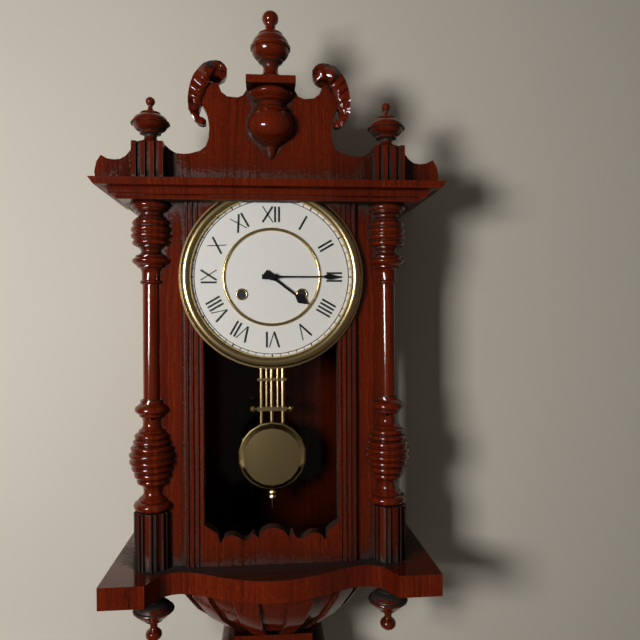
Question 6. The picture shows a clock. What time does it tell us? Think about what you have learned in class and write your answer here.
4:15
